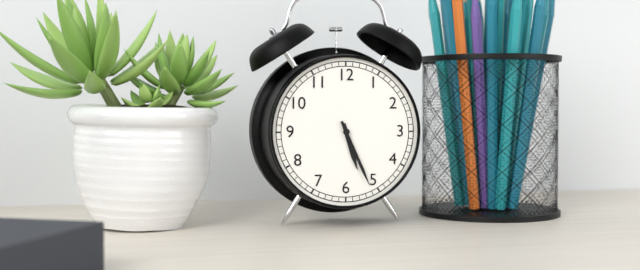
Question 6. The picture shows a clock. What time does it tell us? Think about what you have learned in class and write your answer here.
5:26
